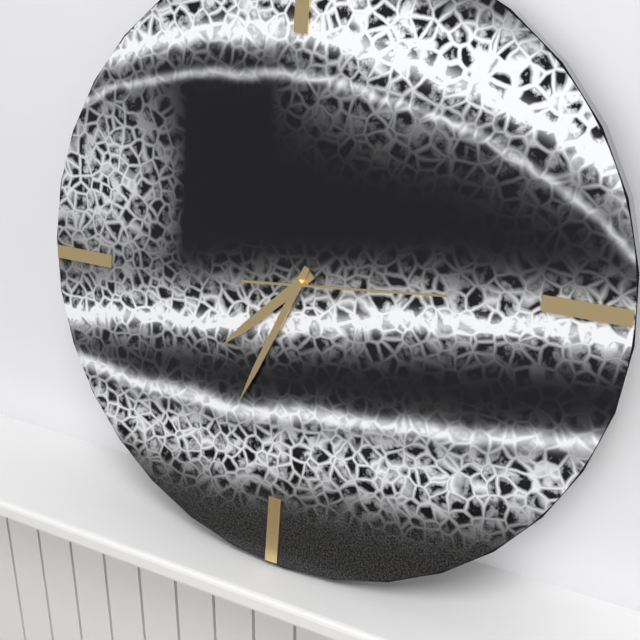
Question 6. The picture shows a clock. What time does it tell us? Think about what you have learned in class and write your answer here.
7:34:14
